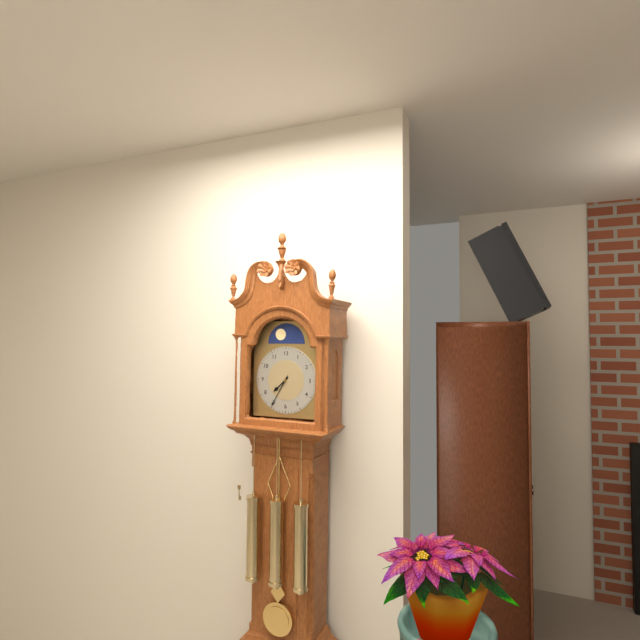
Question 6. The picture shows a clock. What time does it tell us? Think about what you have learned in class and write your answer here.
7:35
